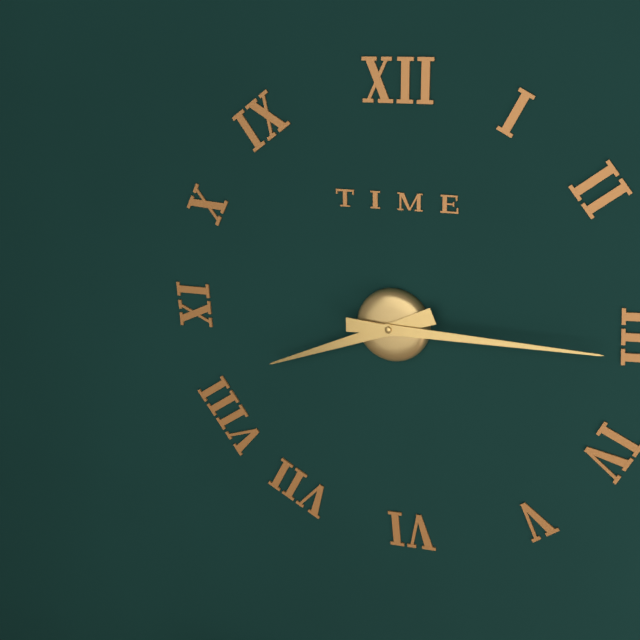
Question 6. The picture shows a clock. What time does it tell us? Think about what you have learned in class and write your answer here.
8:15
